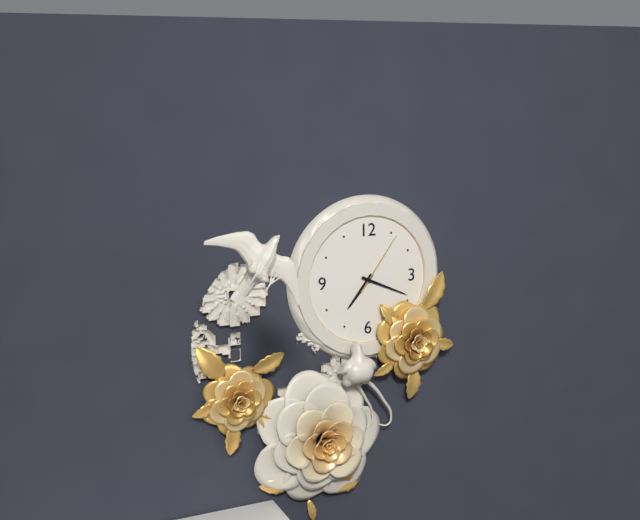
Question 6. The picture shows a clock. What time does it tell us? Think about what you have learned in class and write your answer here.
7:19:06
